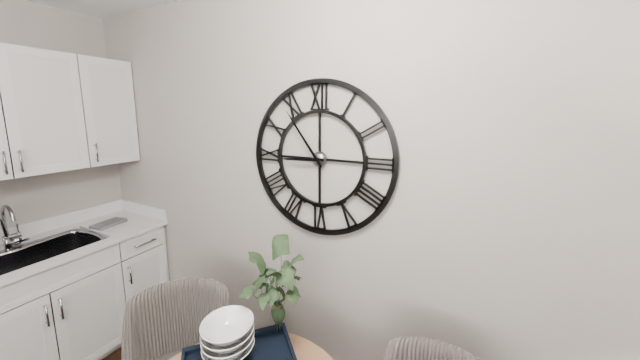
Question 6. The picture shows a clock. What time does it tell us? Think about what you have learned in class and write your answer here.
8:54
